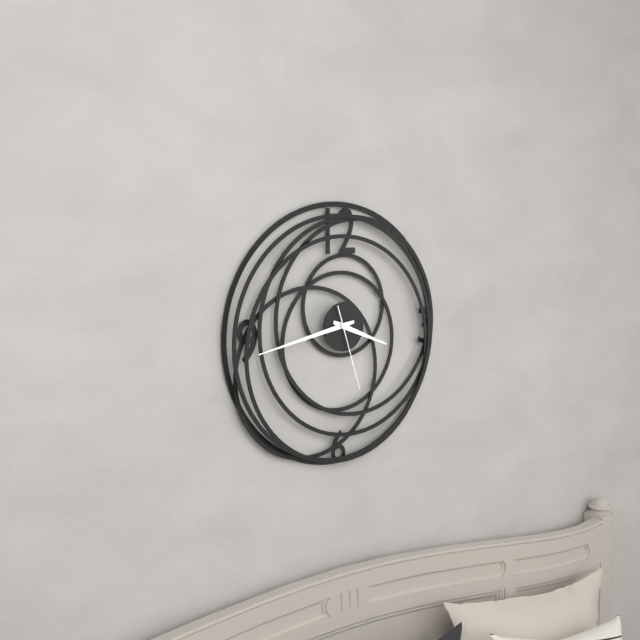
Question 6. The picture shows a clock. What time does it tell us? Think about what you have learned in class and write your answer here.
3:43:27
